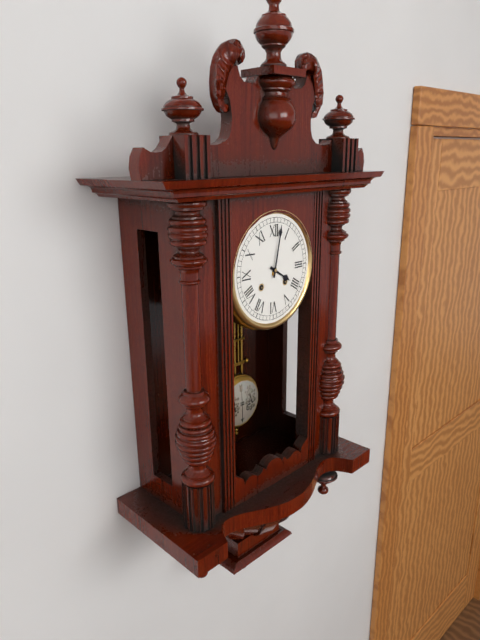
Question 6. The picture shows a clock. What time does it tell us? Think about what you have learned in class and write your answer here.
4:02
